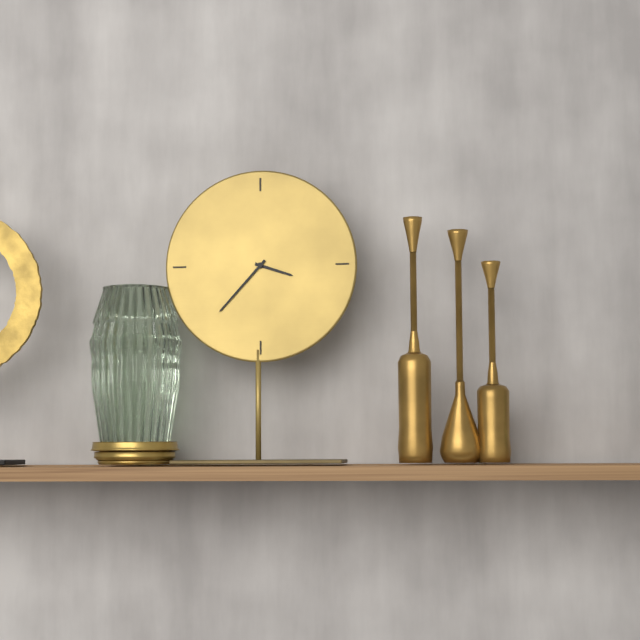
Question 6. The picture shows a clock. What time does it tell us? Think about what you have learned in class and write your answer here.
3:37
